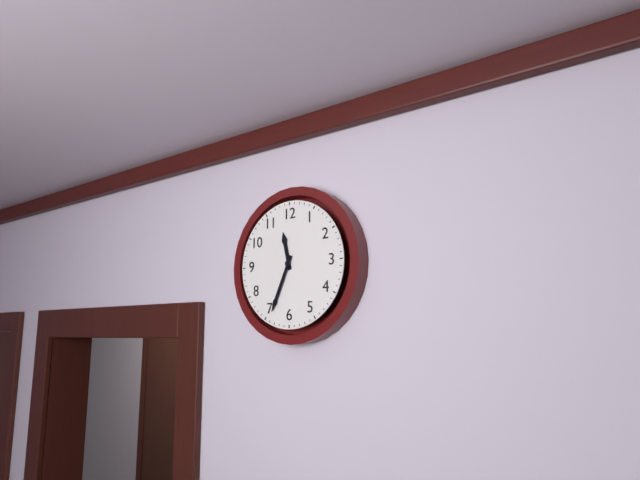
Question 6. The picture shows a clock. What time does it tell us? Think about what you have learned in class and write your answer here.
11:34
